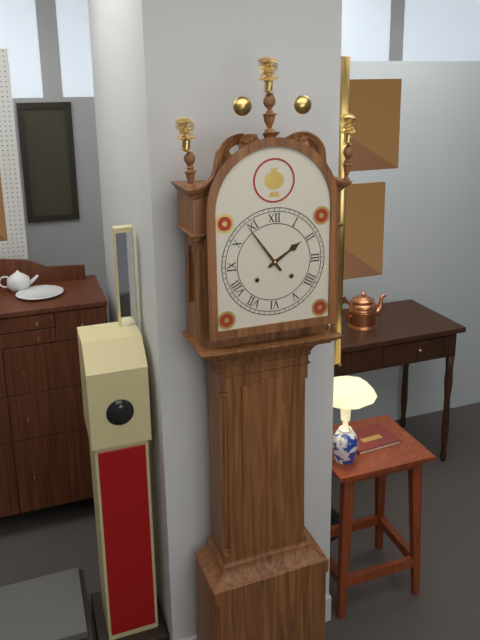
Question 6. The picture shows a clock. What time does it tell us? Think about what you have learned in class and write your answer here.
1:54
